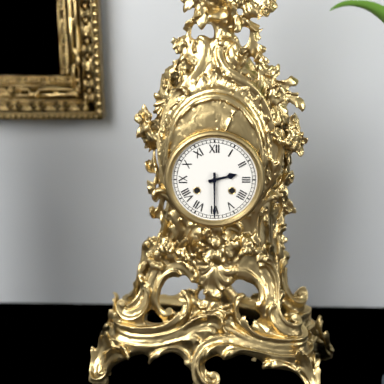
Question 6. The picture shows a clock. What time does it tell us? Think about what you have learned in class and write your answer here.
2:30
